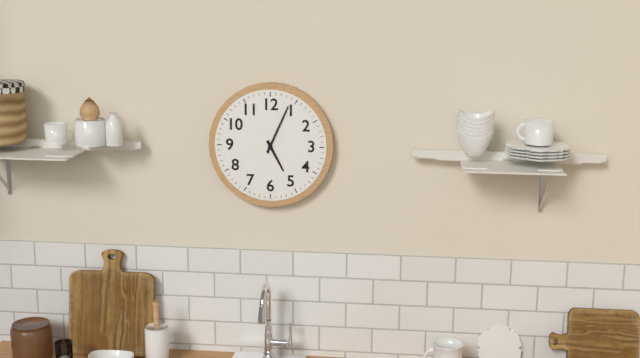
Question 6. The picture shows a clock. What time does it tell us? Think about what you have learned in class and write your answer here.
5:04
